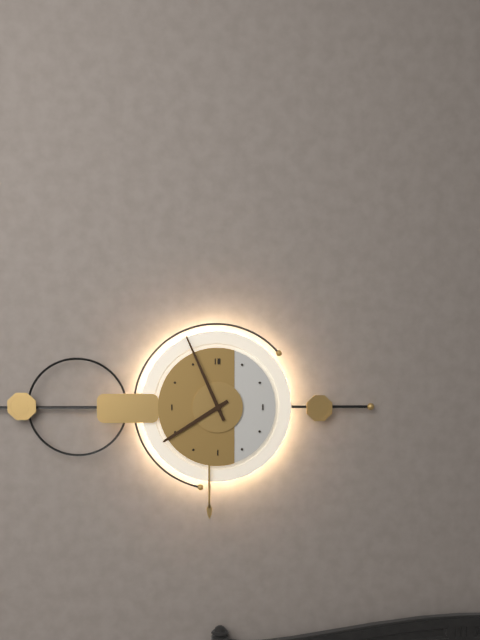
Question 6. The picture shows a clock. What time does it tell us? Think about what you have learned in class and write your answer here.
7:56
